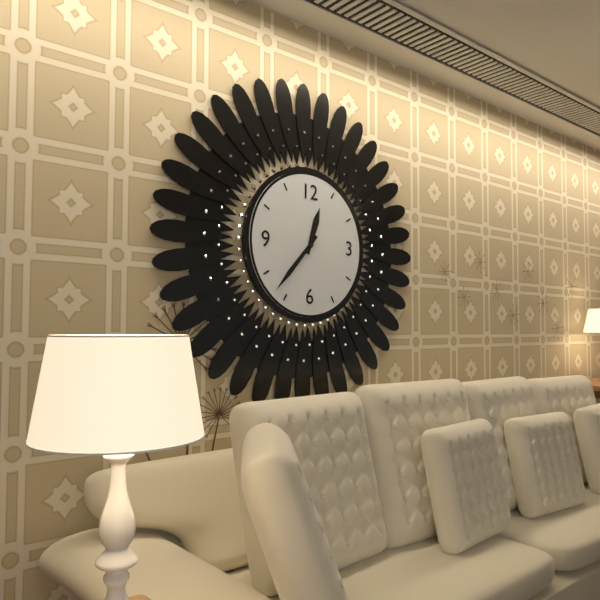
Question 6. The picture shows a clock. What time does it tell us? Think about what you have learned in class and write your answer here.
12:37
